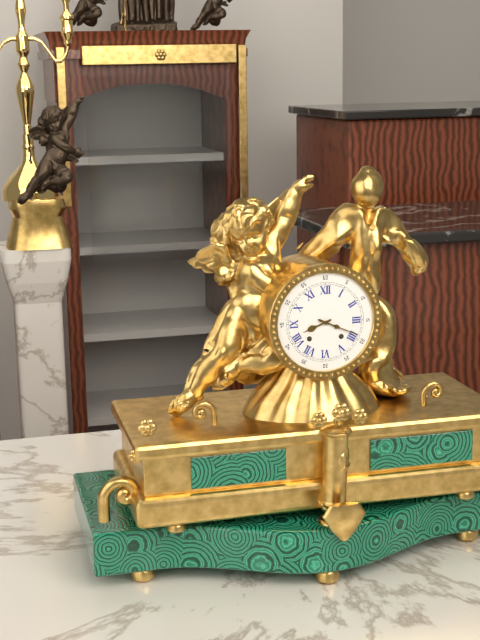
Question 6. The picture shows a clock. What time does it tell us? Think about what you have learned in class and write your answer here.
8:19
